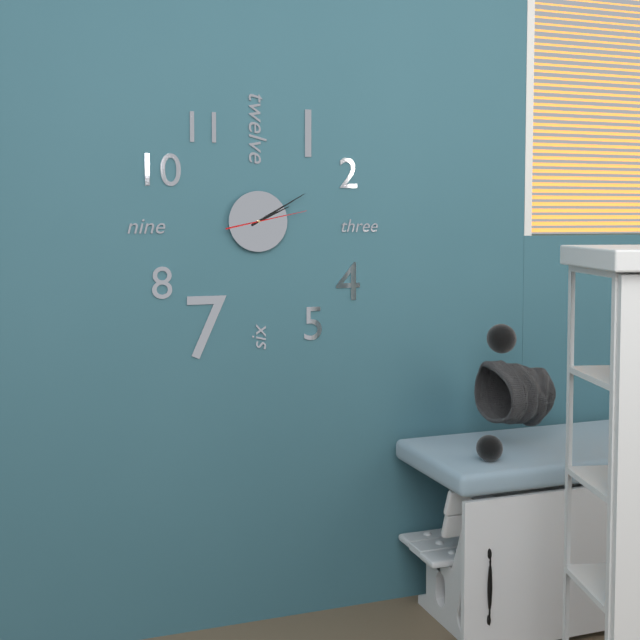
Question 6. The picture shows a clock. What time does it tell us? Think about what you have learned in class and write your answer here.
2:10:13
